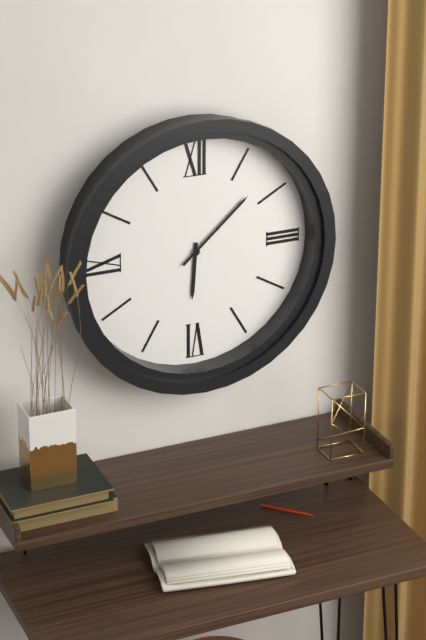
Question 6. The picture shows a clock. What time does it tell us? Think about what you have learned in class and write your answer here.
6:08
